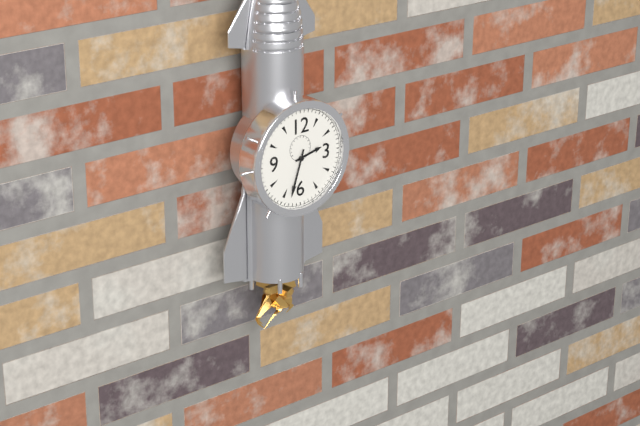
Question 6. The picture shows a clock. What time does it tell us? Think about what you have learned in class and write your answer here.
2:33
